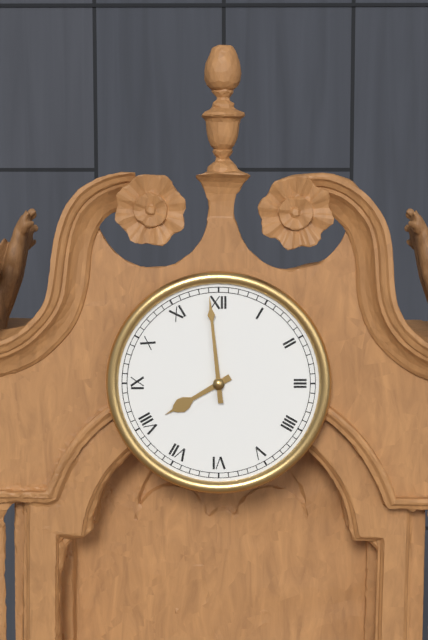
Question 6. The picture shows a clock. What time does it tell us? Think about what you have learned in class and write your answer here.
7:59
